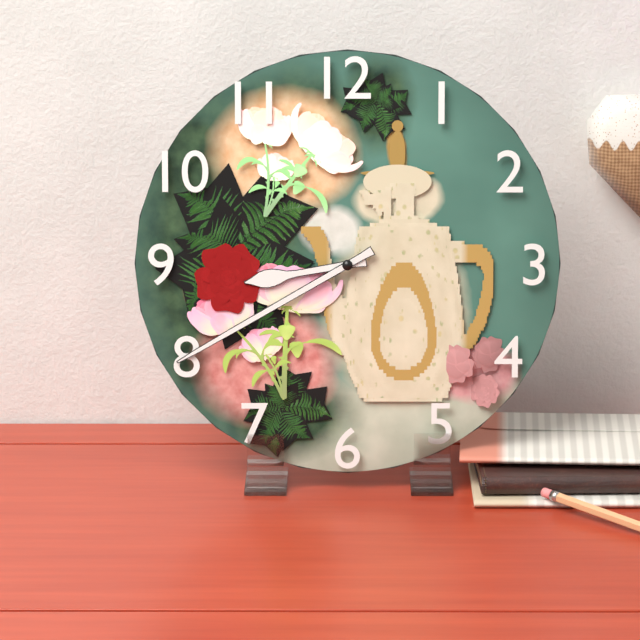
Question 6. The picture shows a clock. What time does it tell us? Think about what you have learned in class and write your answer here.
8:40
